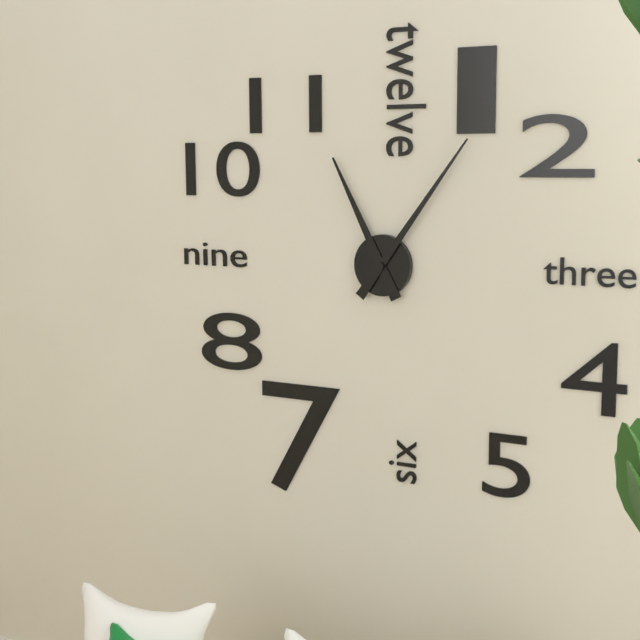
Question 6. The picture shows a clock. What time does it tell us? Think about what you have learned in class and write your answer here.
11:06
